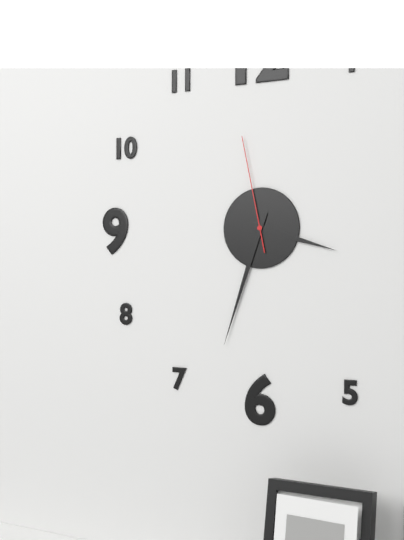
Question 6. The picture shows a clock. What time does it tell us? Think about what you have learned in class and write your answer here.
3:33:58
